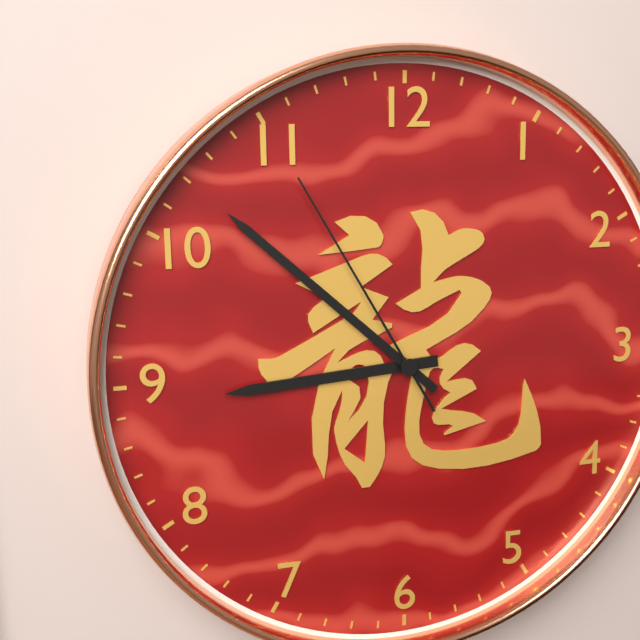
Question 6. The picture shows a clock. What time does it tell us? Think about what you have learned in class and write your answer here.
8:52:55
